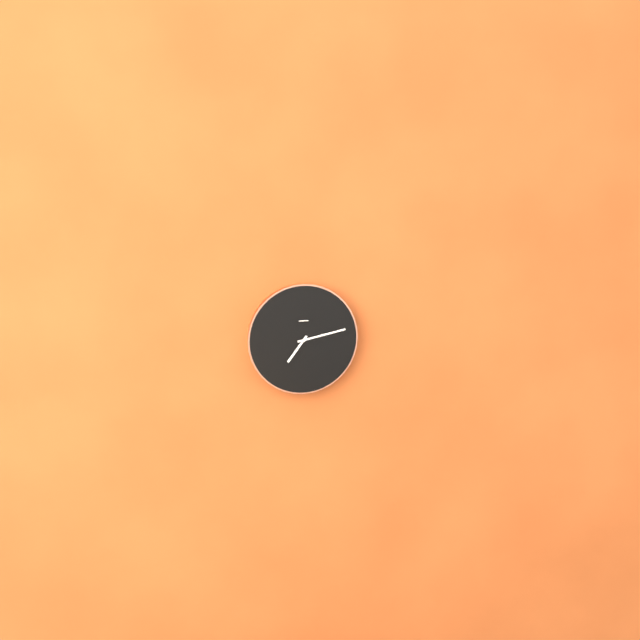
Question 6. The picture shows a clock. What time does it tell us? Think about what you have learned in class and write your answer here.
7:13
